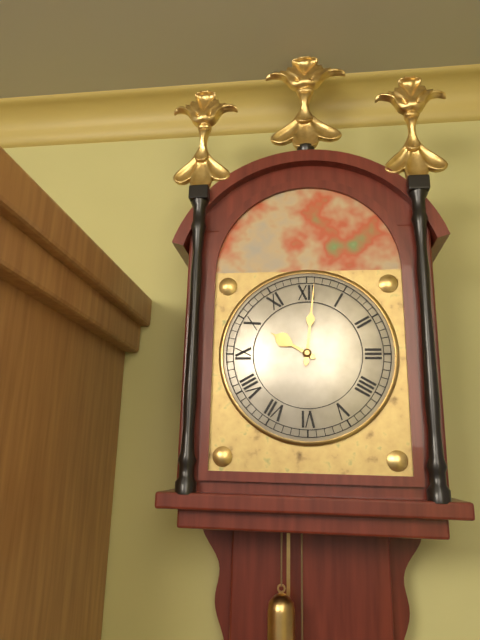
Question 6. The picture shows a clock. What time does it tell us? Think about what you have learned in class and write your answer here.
10:01
